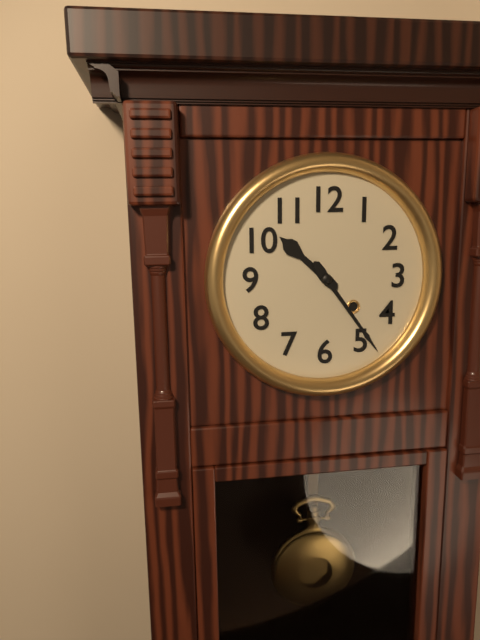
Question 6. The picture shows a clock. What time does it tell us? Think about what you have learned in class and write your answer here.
10:24
